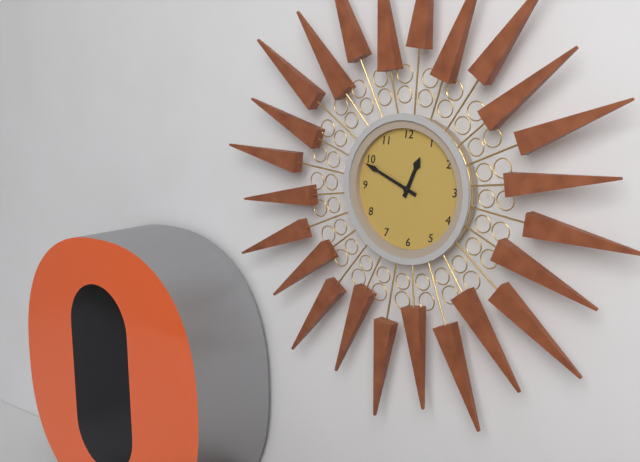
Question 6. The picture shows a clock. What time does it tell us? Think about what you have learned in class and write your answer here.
12:49
